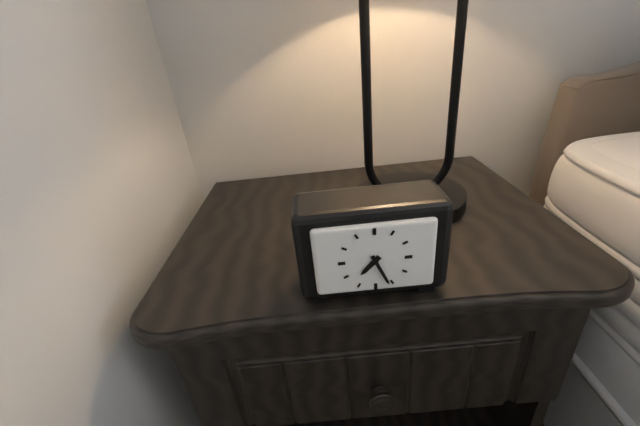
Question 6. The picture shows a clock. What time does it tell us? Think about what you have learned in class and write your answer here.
7:26
